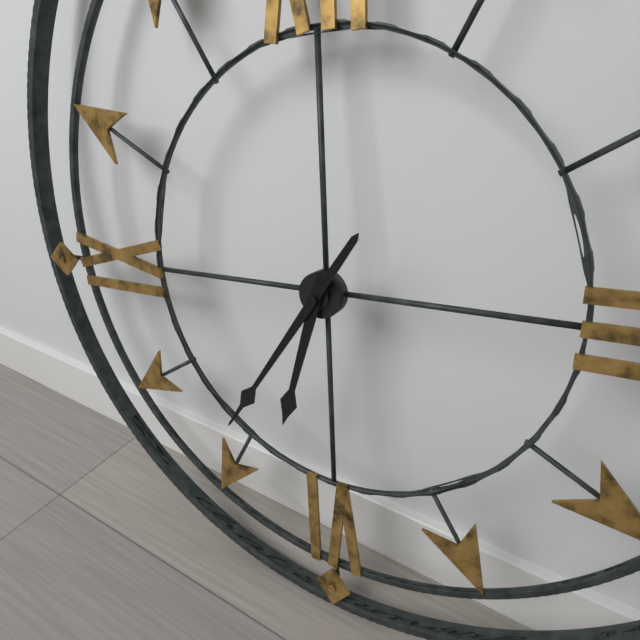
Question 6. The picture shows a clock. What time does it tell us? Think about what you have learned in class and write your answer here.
6:36
